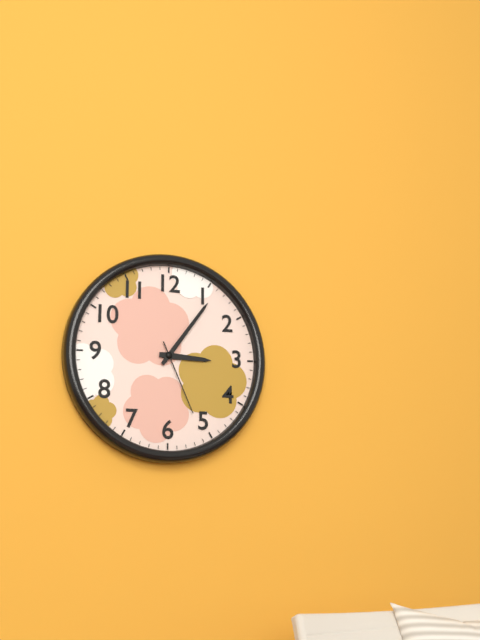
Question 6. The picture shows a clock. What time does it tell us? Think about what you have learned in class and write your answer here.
3:06:26
